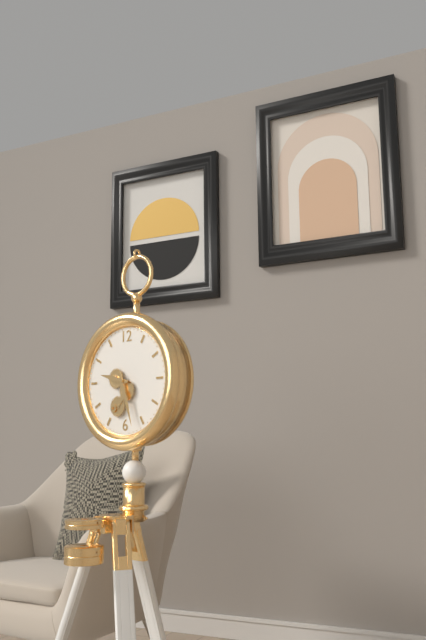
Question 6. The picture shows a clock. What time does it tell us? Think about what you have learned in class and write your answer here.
9:27
